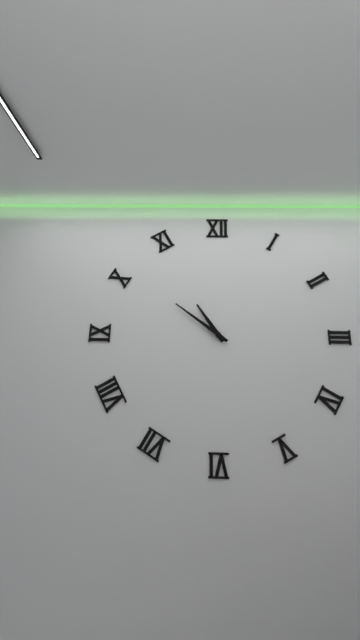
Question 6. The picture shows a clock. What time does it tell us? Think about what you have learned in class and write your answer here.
10:51
